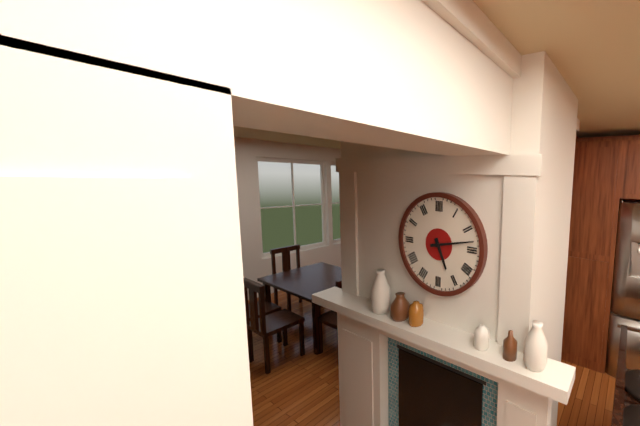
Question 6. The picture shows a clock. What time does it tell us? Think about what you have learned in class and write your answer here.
5:13
